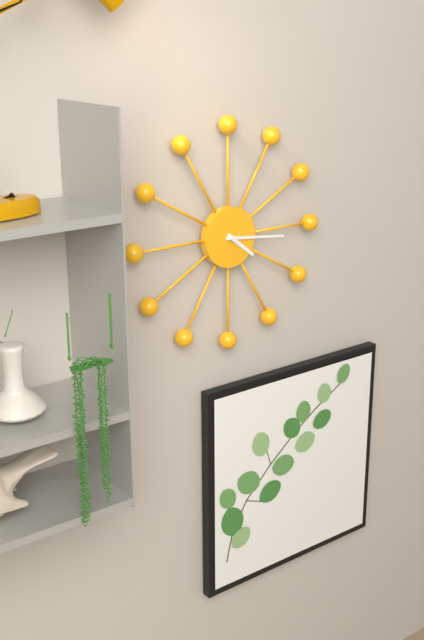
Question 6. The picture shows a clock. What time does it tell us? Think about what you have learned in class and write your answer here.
4:16
